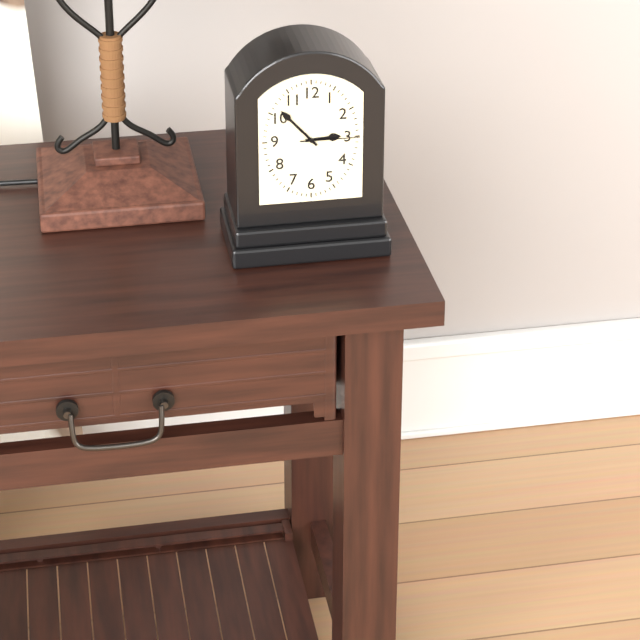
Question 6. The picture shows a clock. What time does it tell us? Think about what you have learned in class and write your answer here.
2:53:15
